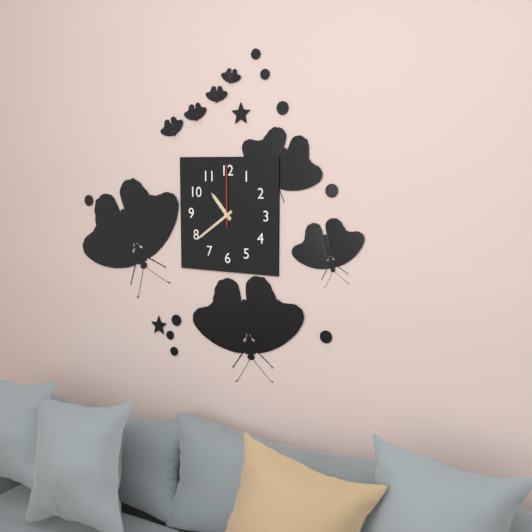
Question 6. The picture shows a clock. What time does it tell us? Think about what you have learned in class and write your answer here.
10:39:00
